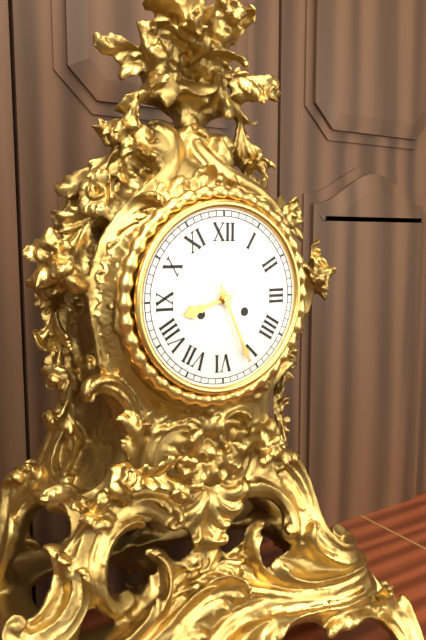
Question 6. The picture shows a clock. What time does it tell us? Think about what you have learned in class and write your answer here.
8:26
